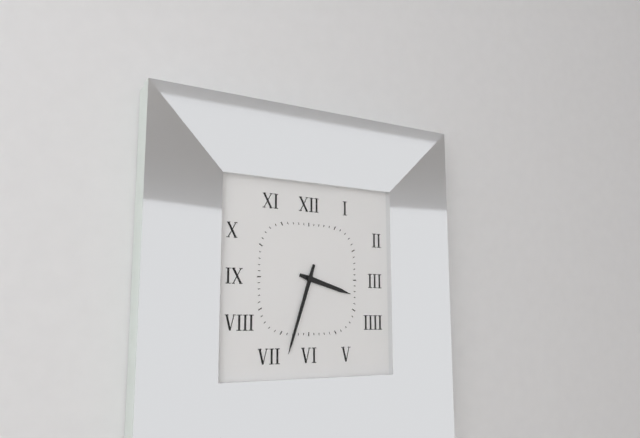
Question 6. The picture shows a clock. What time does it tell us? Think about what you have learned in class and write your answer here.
3:33
